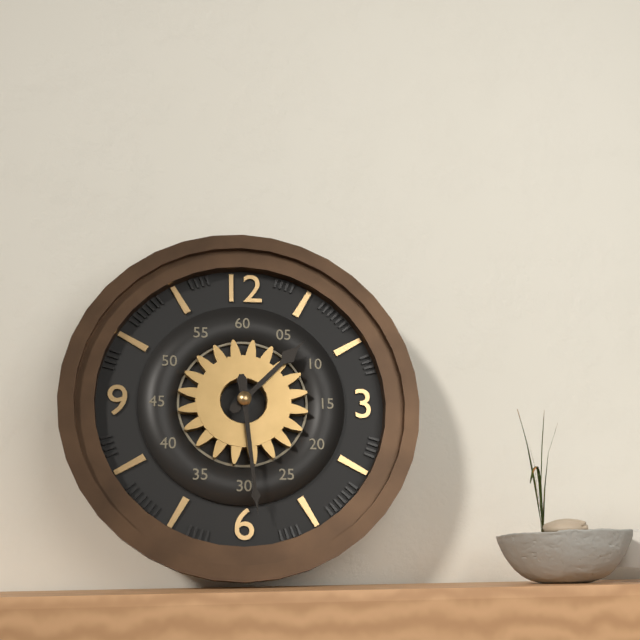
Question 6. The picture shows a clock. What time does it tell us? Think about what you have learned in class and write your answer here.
1:29
